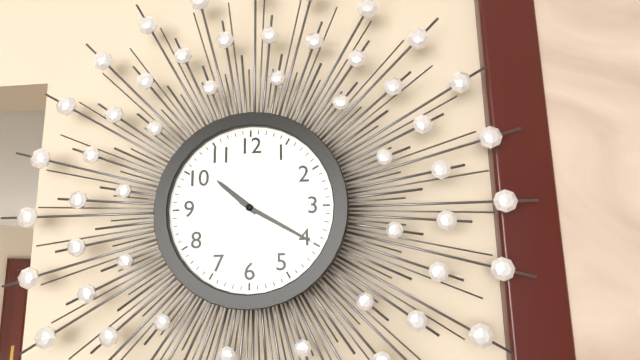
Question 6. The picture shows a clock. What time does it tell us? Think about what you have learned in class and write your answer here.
10:20
